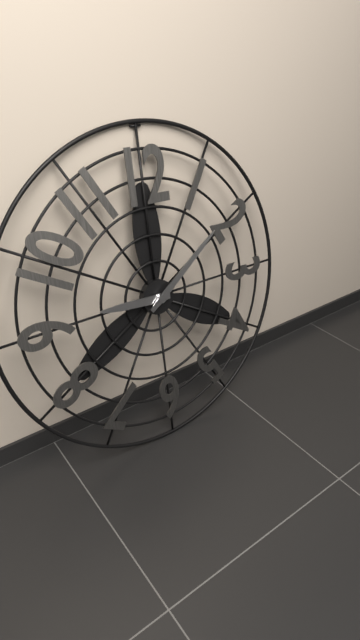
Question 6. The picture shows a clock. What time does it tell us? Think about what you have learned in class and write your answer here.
9:09
